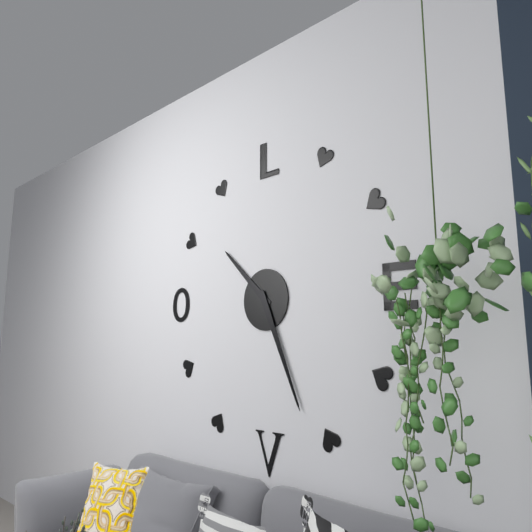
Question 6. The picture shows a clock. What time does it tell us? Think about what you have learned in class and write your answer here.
10:26
